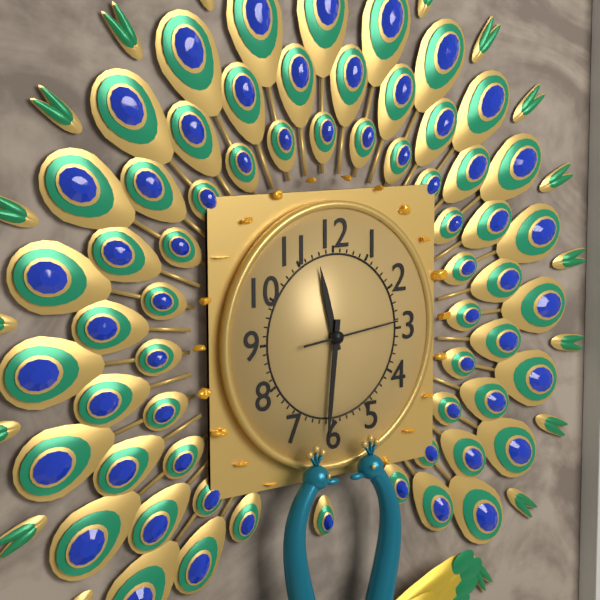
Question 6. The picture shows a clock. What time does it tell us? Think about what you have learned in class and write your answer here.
11:31:14
